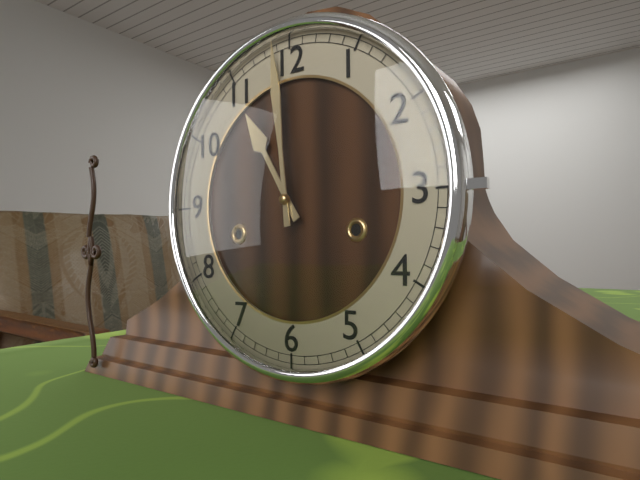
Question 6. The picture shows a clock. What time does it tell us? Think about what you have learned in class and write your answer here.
10:59
